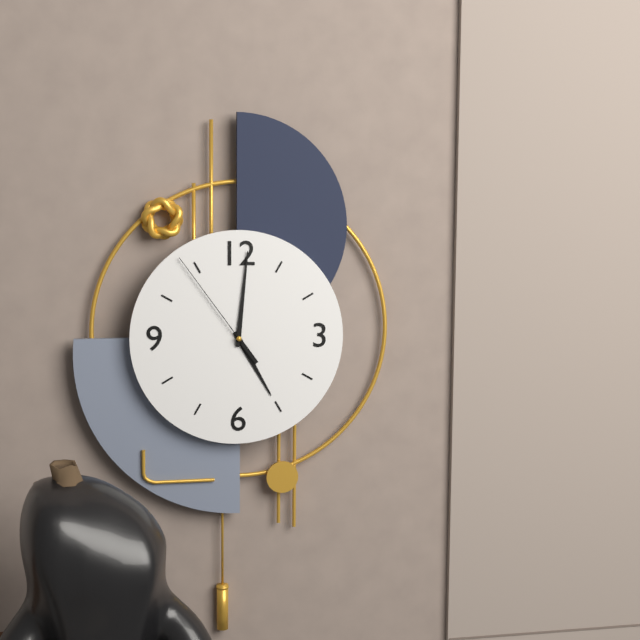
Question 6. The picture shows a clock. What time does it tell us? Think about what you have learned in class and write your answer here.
5:01:54
